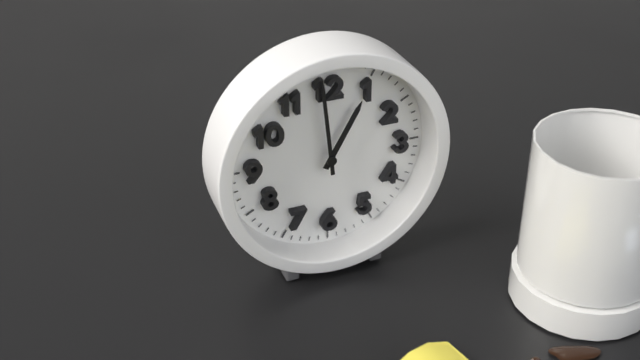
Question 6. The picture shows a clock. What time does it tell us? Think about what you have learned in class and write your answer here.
12:59
